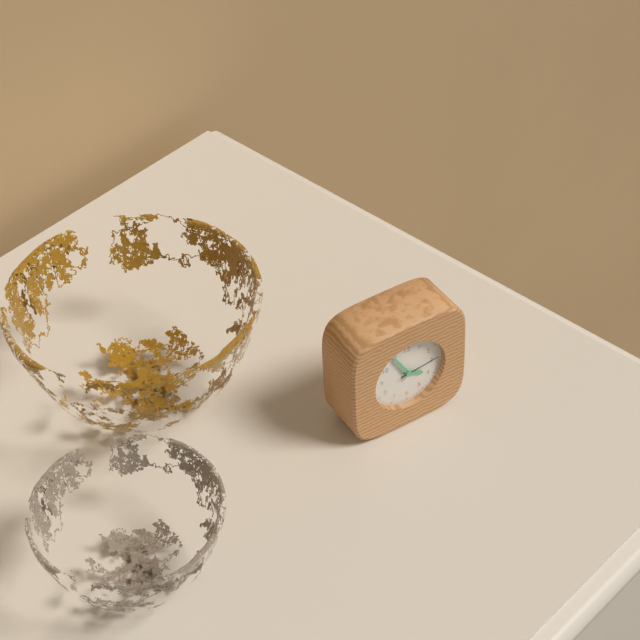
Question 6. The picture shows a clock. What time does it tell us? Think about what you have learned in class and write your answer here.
3:55
